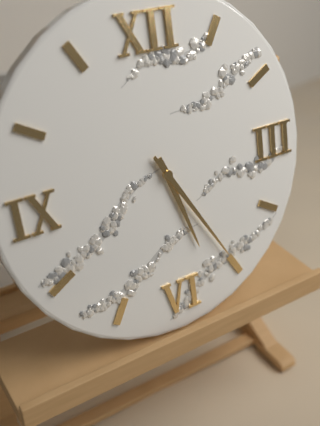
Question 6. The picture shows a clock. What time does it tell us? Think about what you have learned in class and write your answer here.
5:25
